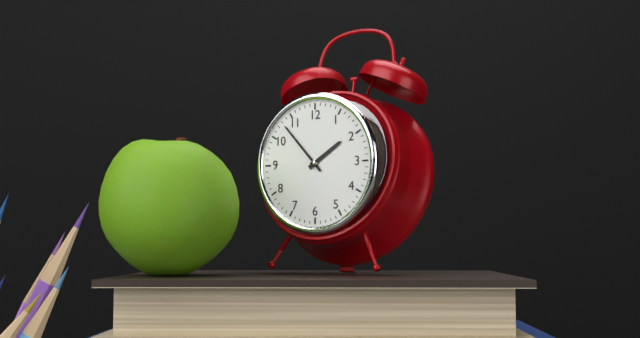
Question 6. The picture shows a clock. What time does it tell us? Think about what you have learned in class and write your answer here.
1:53
